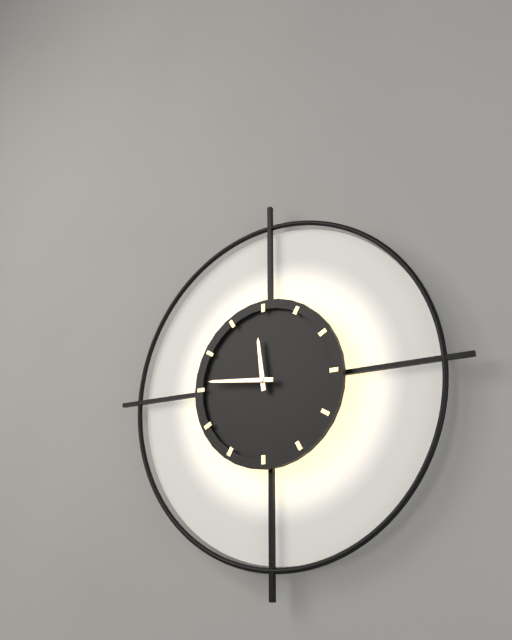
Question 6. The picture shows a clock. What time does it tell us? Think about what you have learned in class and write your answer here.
11:46
